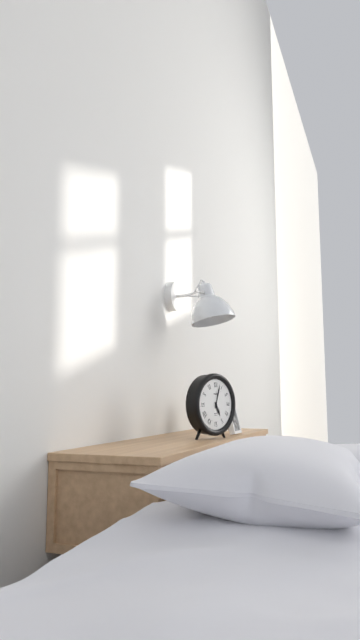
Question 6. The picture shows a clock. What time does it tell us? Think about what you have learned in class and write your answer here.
5:03
